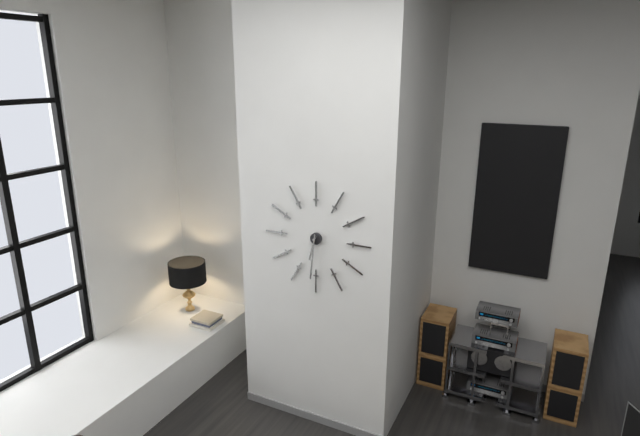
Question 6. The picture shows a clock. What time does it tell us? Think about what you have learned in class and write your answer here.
6:31
